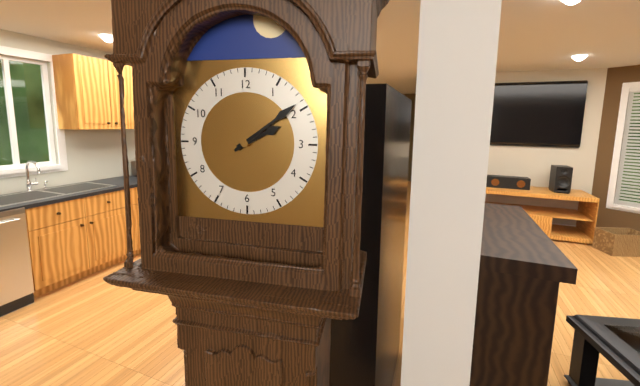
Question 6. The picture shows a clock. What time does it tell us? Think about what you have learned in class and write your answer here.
2:09
